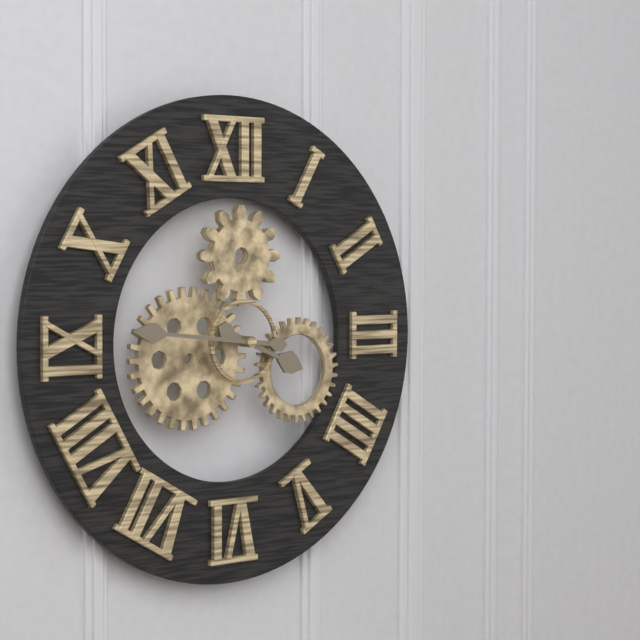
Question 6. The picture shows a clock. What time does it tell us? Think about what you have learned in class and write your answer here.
3:46
